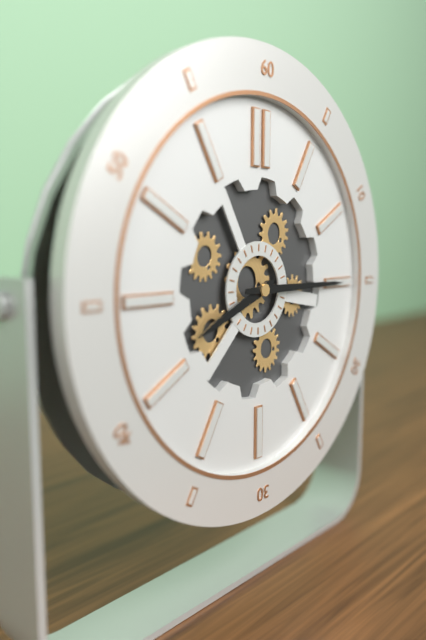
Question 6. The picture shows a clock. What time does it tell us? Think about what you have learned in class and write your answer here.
8:15
